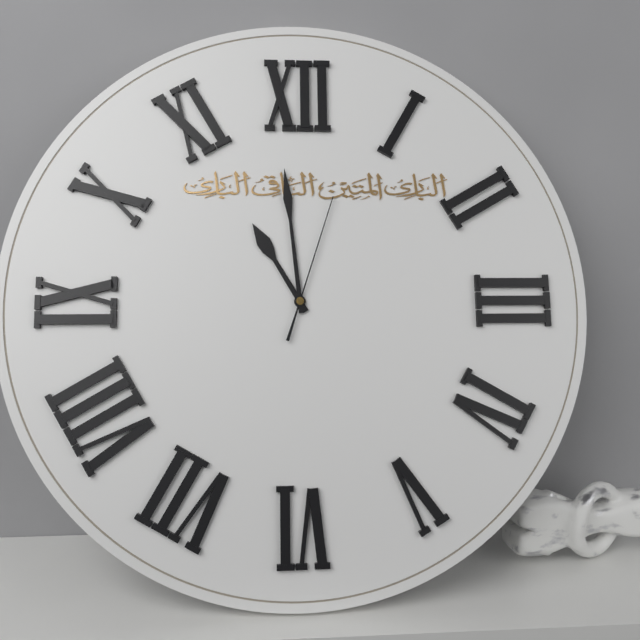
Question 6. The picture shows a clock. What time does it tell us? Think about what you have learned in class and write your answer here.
10:59:03
